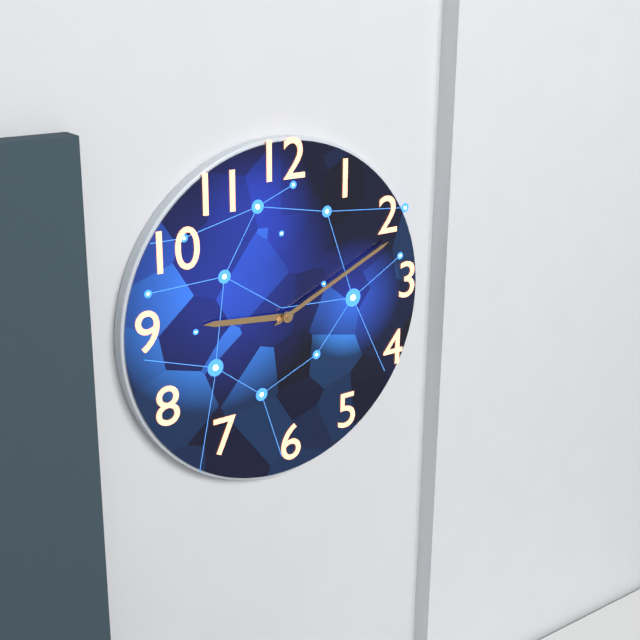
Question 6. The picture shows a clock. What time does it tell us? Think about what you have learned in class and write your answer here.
9:11
